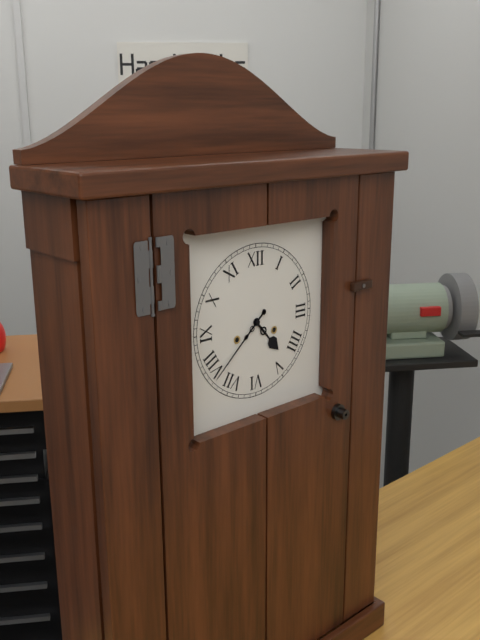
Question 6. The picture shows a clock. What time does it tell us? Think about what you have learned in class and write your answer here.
4:38
